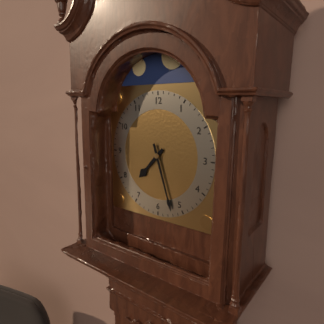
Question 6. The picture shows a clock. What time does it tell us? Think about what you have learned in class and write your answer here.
7:27
